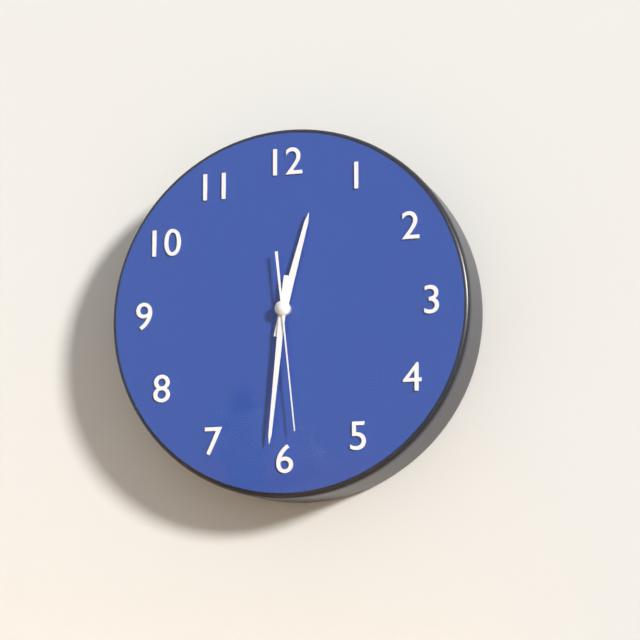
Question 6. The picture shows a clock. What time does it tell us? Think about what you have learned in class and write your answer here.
12:31:29
